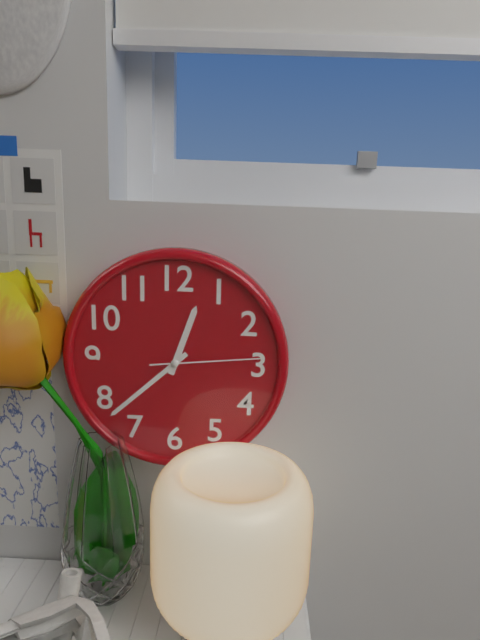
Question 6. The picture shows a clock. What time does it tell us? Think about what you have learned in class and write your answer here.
12:38:14
